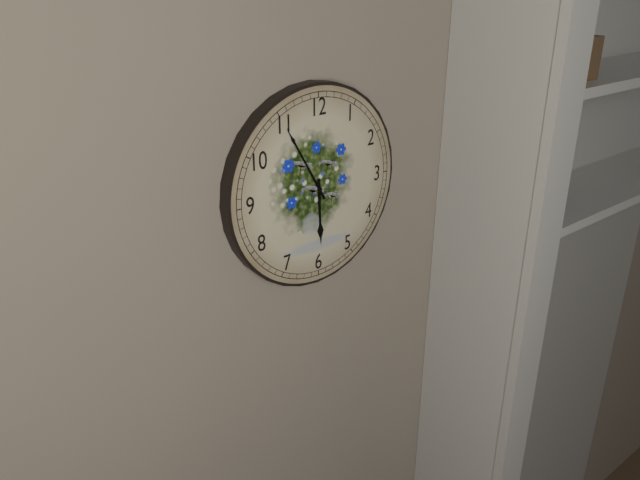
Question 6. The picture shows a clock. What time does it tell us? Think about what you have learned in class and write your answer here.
5:55
